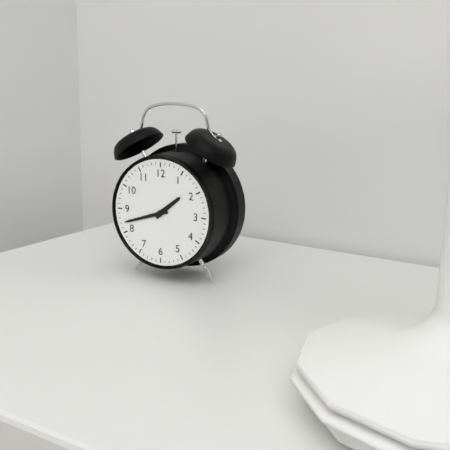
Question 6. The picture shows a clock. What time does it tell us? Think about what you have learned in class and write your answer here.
1:42
